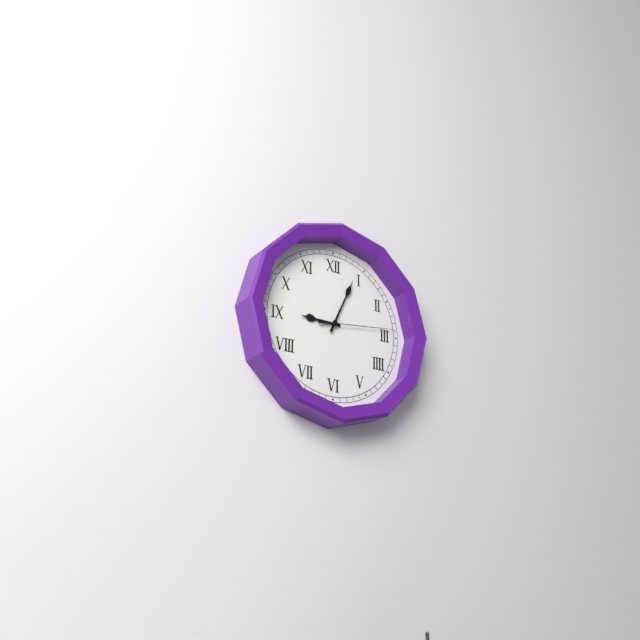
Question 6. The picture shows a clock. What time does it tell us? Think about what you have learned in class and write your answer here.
9:04:14
